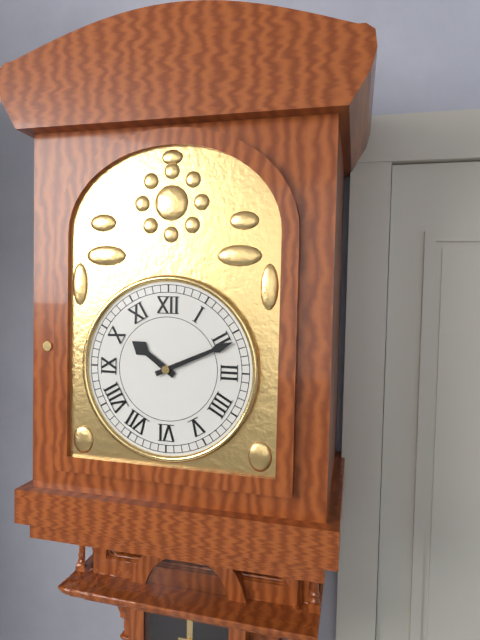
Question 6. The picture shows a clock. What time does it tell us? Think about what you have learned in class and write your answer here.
10:11
